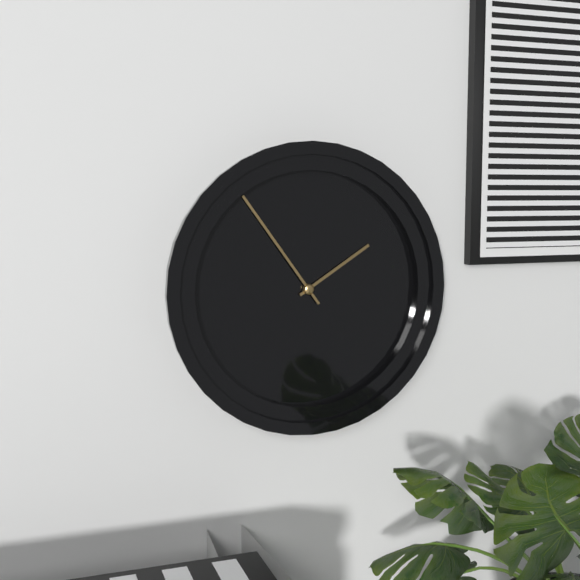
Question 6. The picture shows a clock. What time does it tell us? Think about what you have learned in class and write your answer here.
1:54
